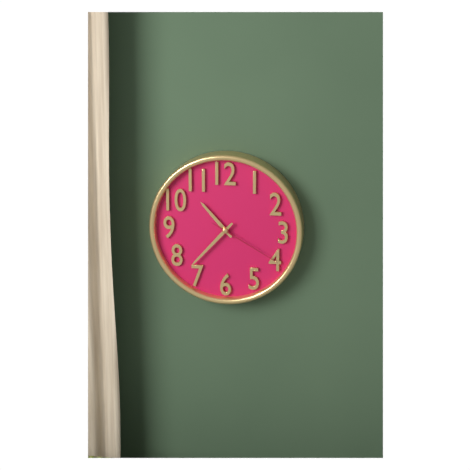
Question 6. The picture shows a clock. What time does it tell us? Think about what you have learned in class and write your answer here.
10:37:20
